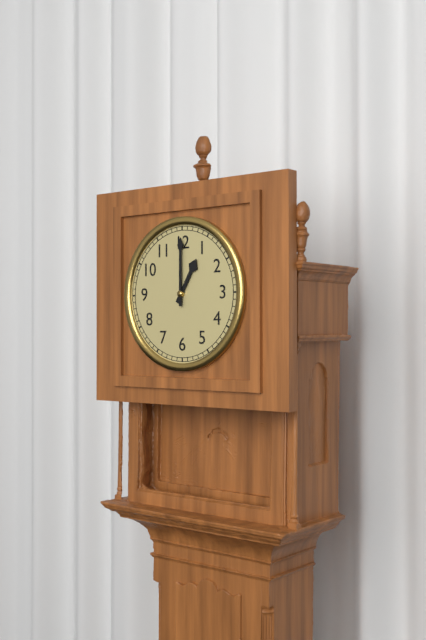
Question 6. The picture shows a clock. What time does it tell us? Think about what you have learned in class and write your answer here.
1:00
